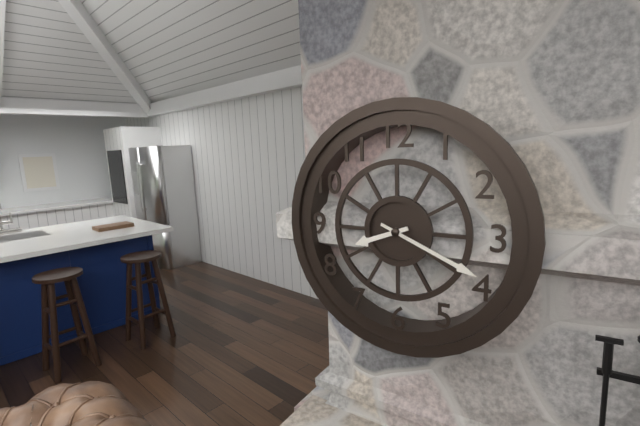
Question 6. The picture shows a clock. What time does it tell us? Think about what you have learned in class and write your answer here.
8:19
